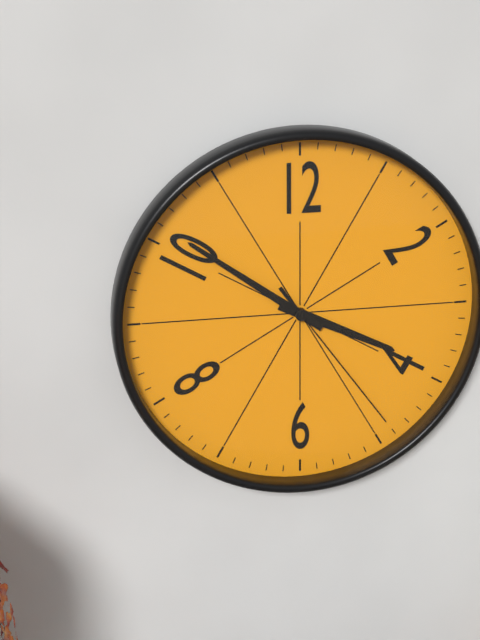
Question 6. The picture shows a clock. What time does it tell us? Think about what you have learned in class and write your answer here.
3:51:24
